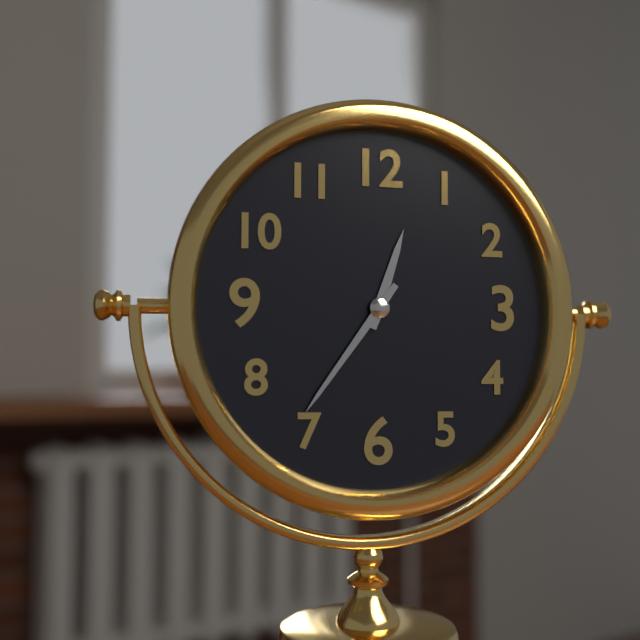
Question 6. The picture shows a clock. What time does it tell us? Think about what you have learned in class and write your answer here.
12:36
